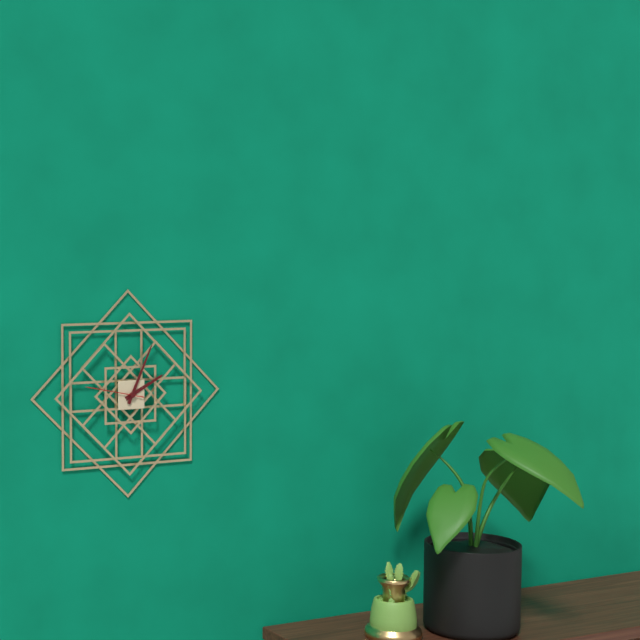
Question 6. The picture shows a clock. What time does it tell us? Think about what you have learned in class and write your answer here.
2:04:47
